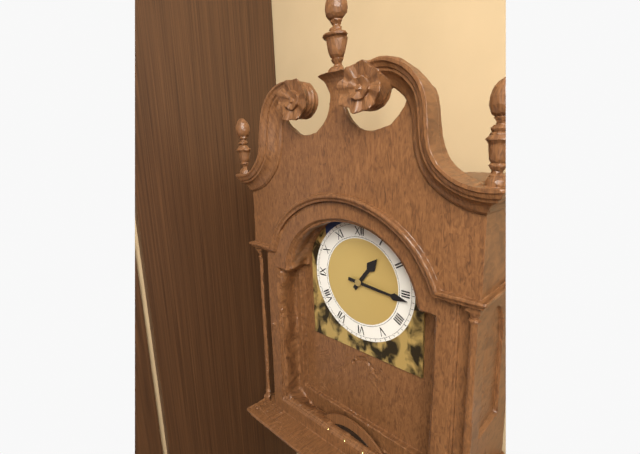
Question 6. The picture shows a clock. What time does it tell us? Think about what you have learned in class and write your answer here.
1:16
